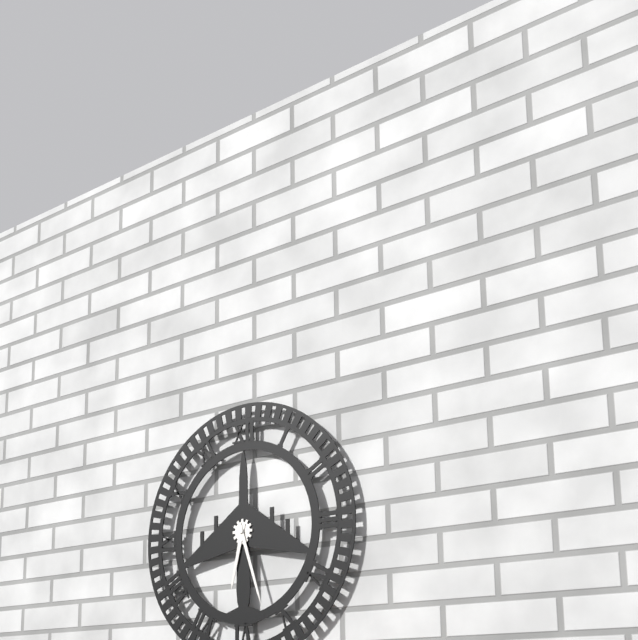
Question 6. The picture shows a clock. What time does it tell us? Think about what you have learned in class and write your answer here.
6:27
